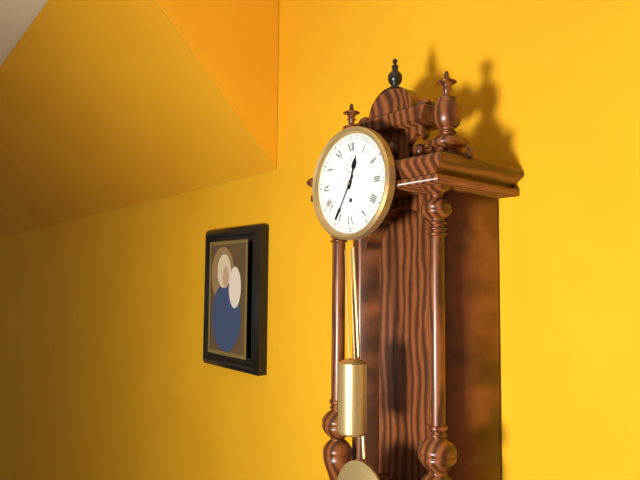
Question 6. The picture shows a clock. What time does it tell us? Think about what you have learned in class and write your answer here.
12:35
